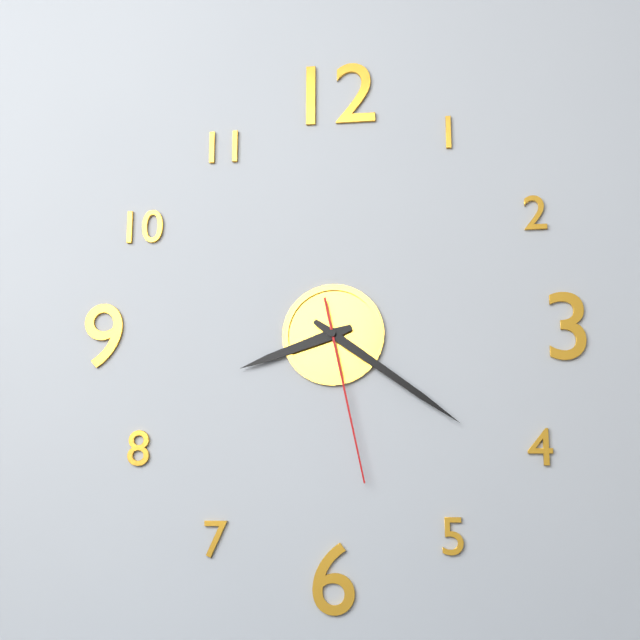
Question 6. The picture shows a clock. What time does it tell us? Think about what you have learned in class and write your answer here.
8:21:28
